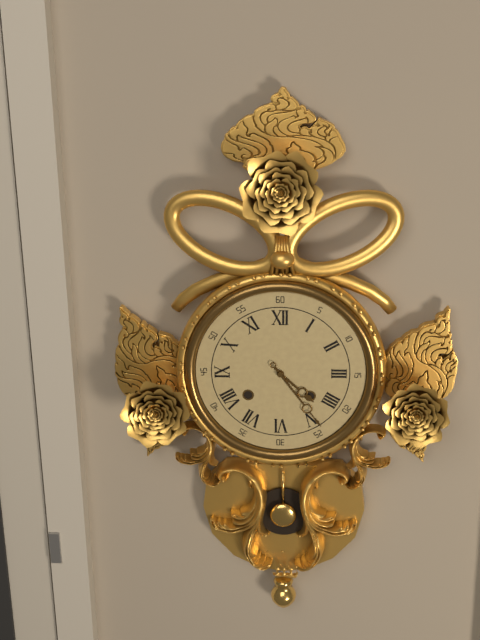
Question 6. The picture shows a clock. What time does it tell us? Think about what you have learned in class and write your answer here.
4:24
